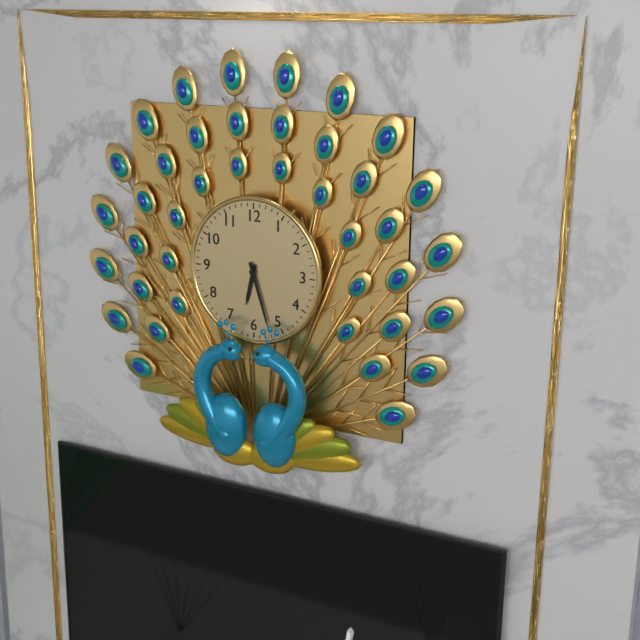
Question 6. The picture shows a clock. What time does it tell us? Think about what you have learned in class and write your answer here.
6:27
